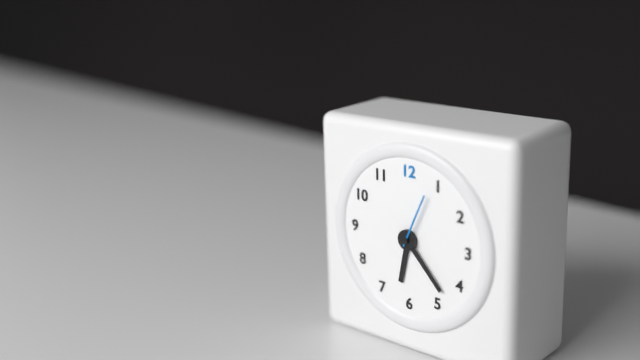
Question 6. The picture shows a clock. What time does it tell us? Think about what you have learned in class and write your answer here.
6:23:04
